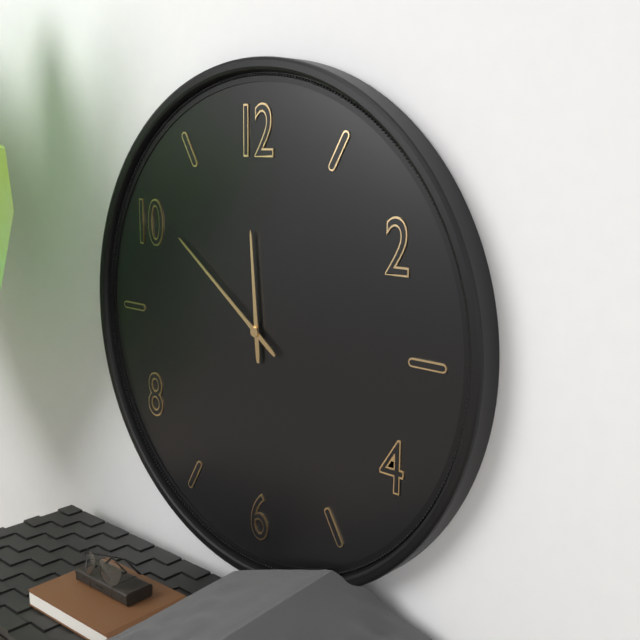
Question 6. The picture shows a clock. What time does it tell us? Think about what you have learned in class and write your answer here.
11:51
